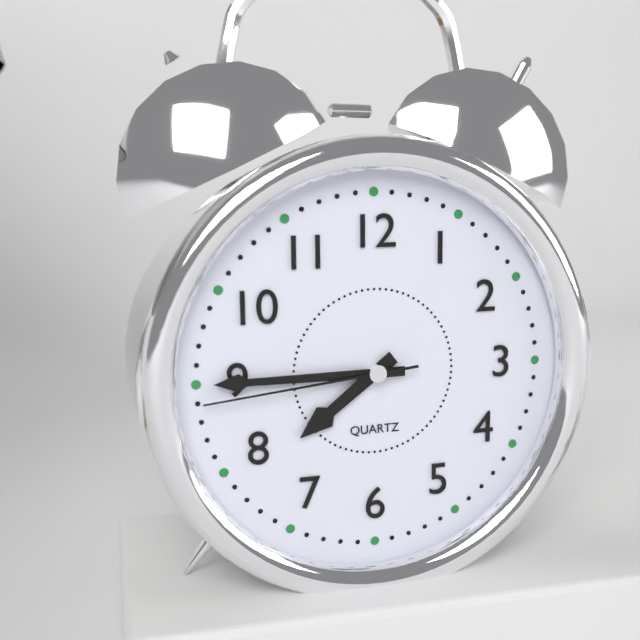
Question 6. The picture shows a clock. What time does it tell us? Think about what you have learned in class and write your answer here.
7:45:44
